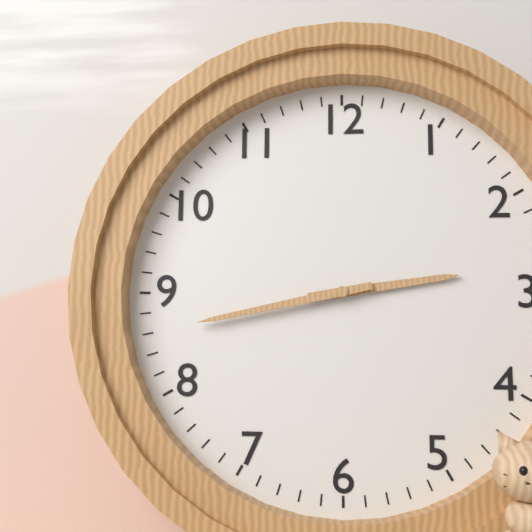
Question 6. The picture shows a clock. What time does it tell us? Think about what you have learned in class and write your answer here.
2:43
